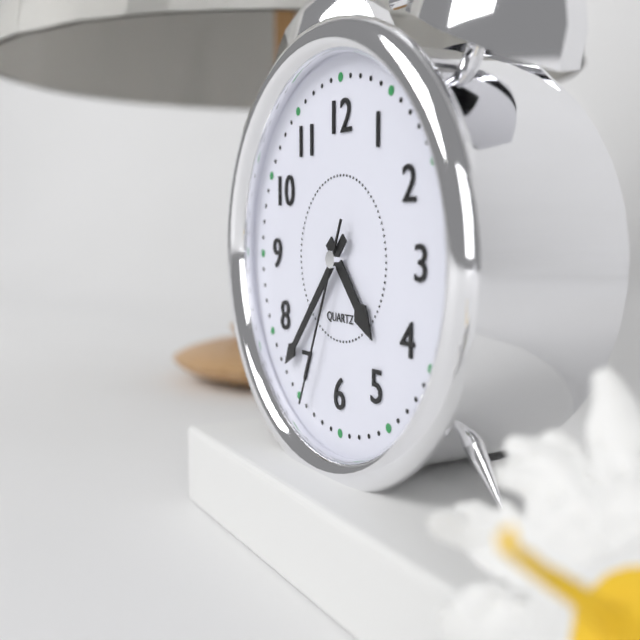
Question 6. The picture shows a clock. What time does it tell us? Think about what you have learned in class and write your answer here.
4:37:34
